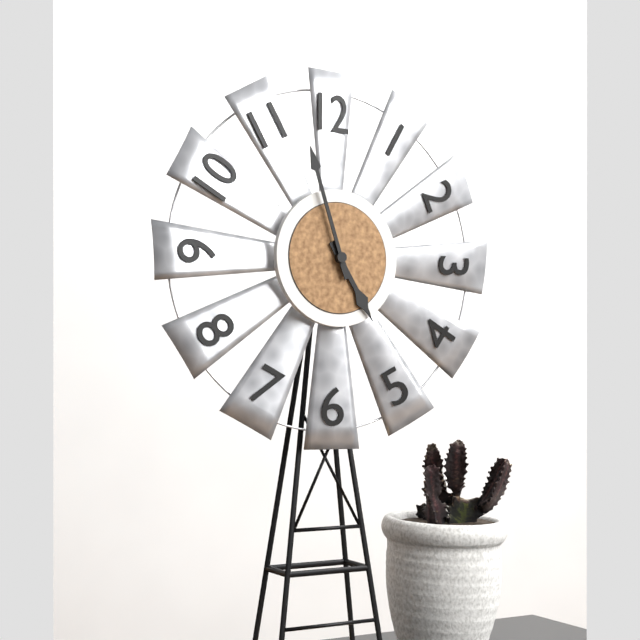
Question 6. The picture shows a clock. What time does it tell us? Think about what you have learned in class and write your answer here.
4:57
